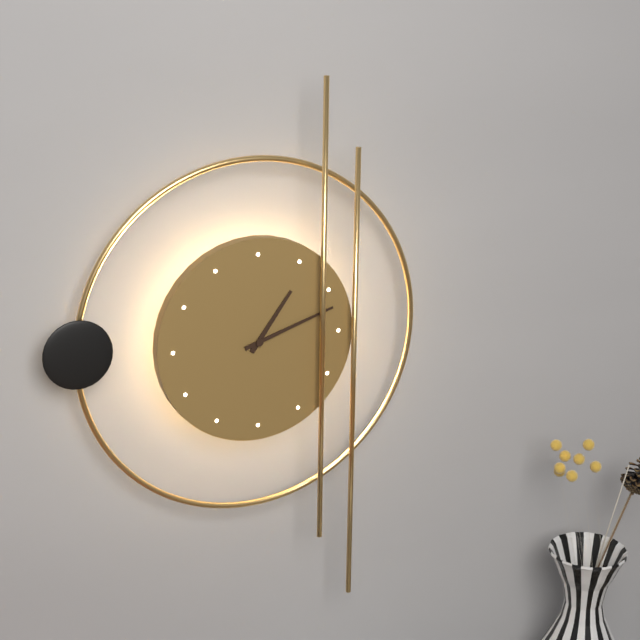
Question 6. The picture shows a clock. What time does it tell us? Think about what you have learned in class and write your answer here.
1:12
